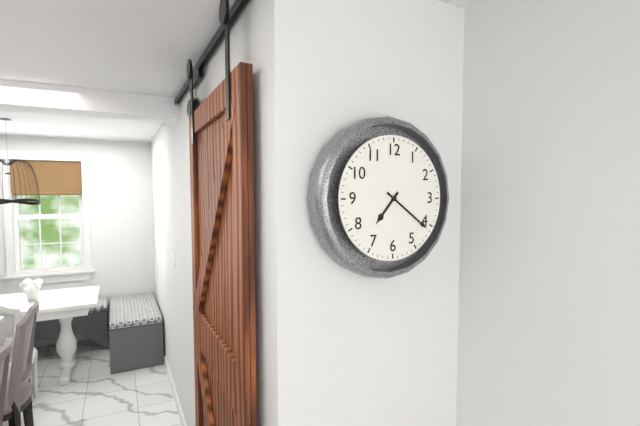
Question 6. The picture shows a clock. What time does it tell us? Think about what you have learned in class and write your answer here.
7:21
